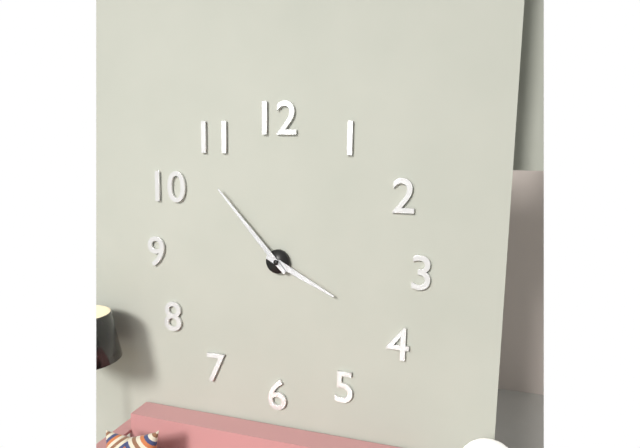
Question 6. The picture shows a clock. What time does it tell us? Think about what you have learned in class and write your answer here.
3:53
